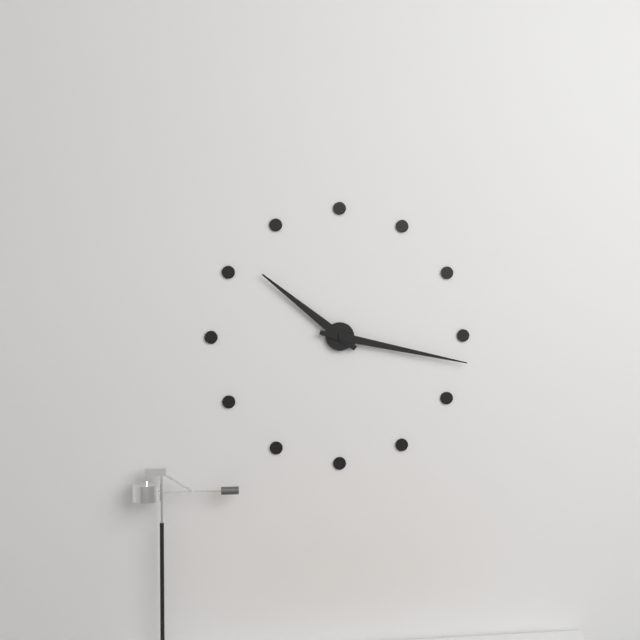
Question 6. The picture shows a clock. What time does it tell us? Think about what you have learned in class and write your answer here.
10:17
